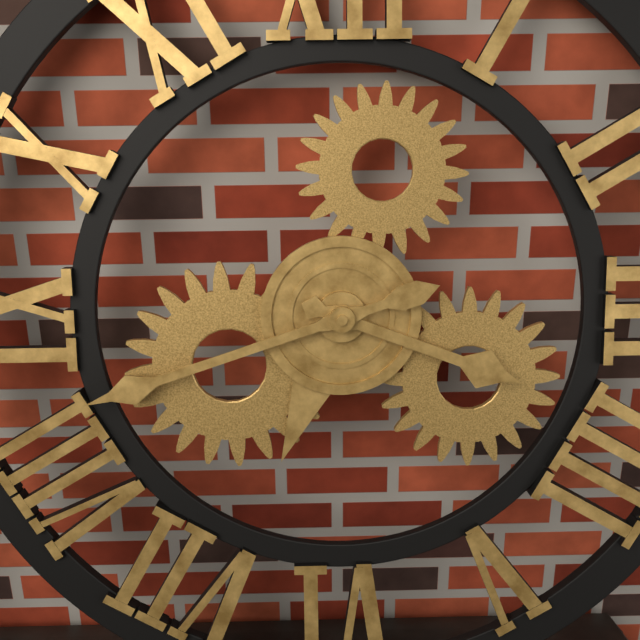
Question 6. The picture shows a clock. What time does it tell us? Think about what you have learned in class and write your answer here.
3:42
